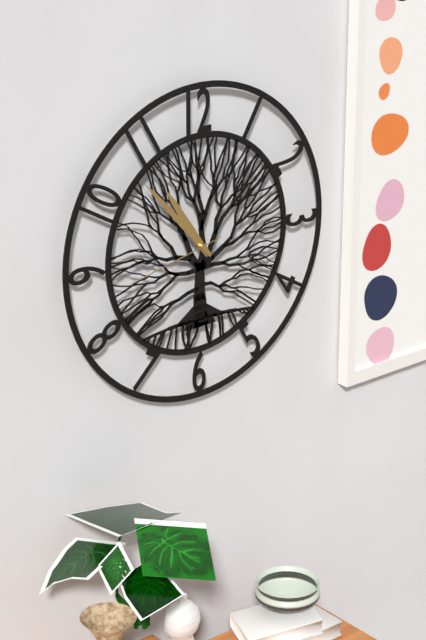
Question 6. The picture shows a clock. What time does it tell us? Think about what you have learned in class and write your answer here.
10:53:43
